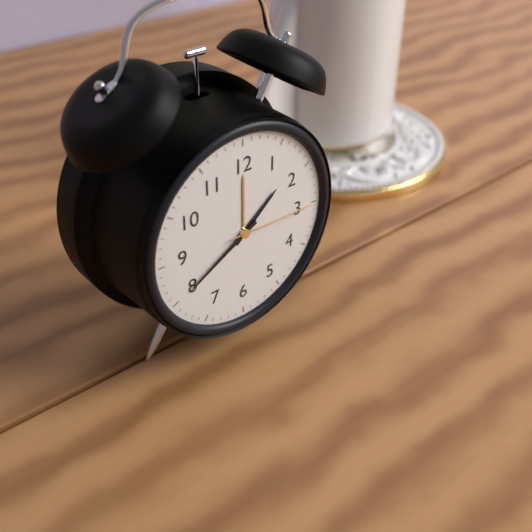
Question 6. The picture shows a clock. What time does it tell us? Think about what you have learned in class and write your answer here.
1:40:15
